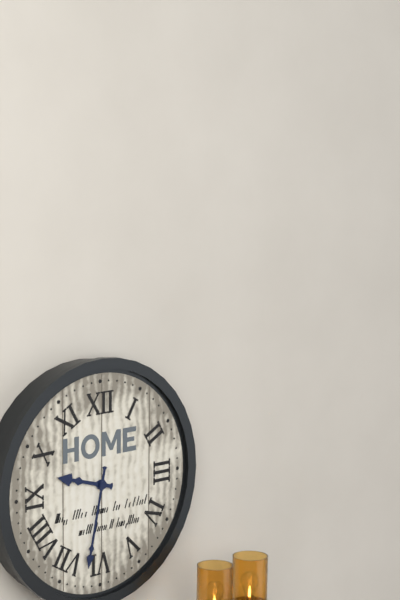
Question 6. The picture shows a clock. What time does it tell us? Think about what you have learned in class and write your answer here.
9:32
